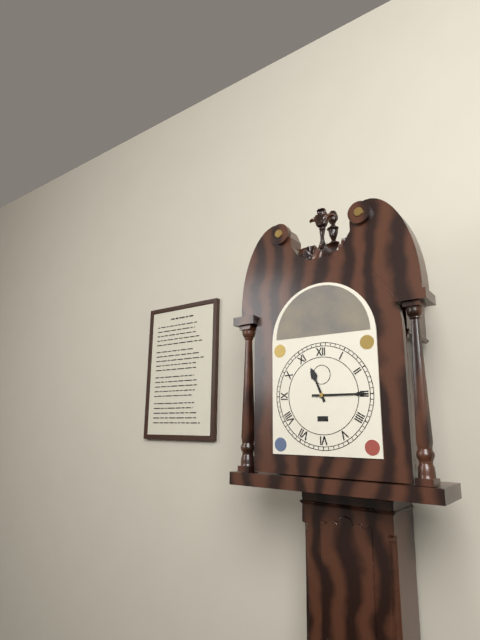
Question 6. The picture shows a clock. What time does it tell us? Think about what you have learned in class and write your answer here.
11:15
